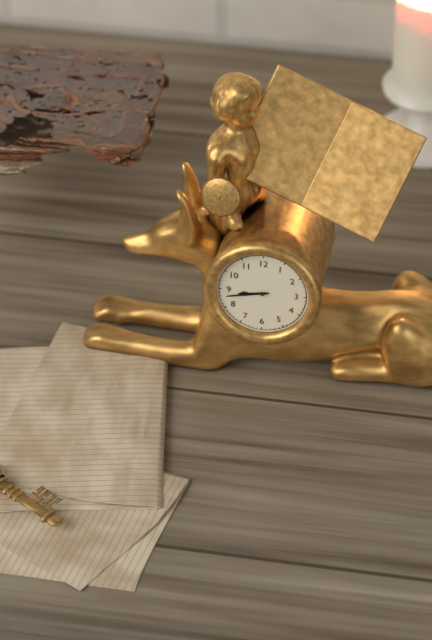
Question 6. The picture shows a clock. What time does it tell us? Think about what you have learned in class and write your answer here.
8:43
